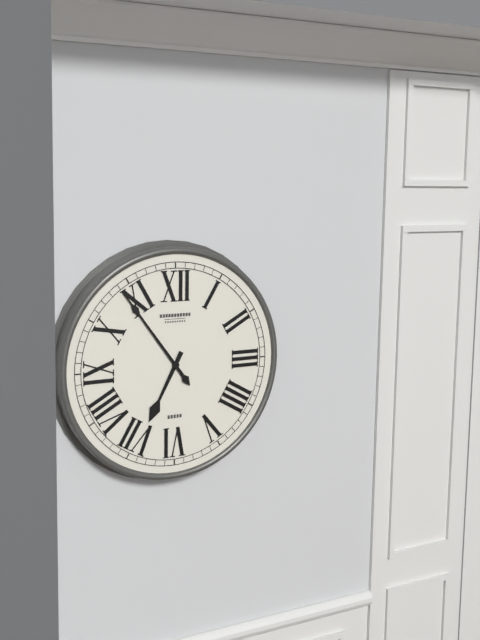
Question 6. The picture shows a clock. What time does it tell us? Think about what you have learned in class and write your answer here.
6:54
